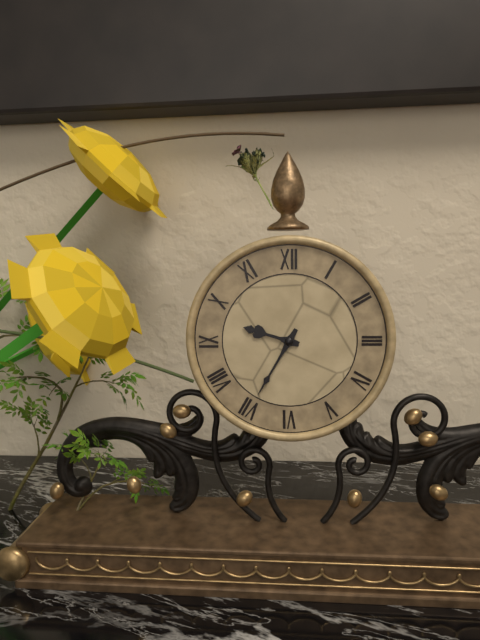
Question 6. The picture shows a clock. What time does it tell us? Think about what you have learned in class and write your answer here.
9:35
